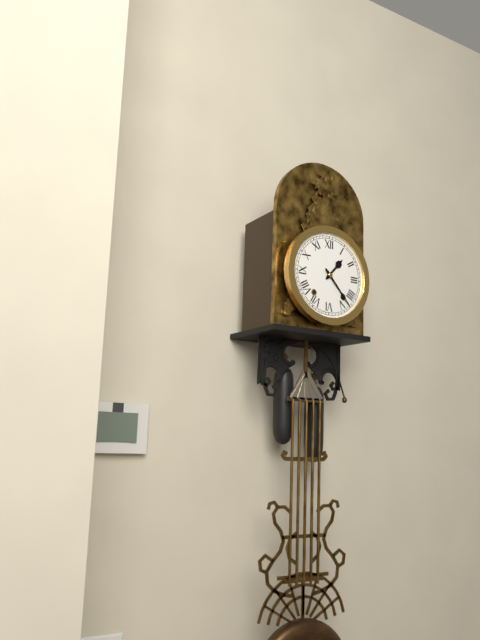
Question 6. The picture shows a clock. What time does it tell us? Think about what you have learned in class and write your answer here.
1:23
